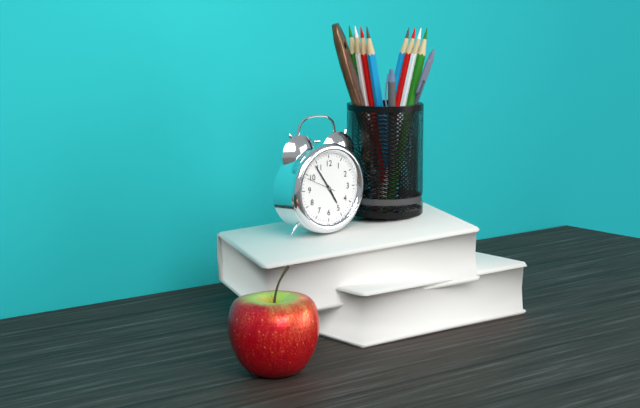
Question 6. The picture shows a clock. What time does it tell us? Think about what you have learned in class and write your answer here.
4:54
